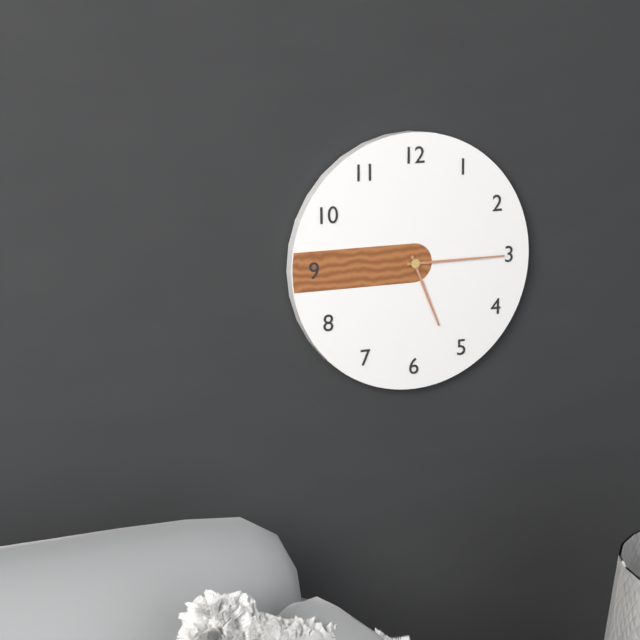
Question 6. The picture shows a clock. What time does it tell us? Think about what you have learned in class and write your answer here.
5:15
